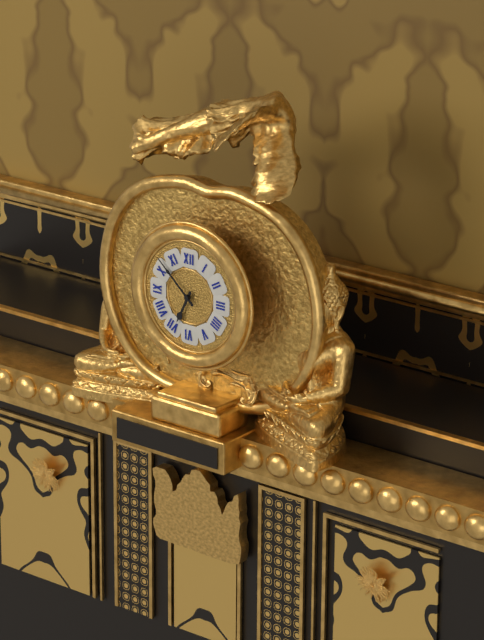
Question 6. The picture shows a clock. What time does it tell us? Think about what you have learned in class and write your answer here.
6:52
